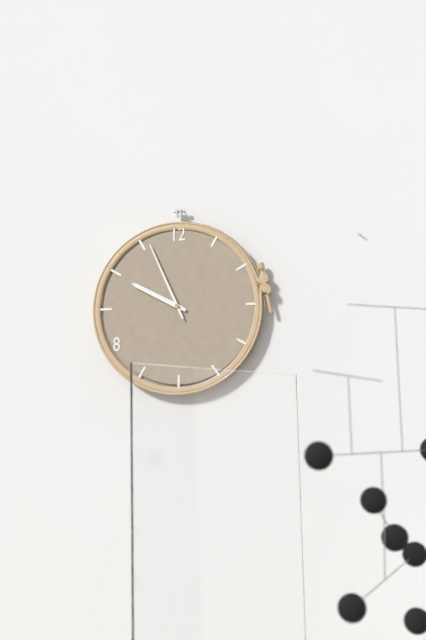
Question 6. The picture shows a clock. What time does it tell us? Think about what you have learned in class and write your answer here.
9:56
